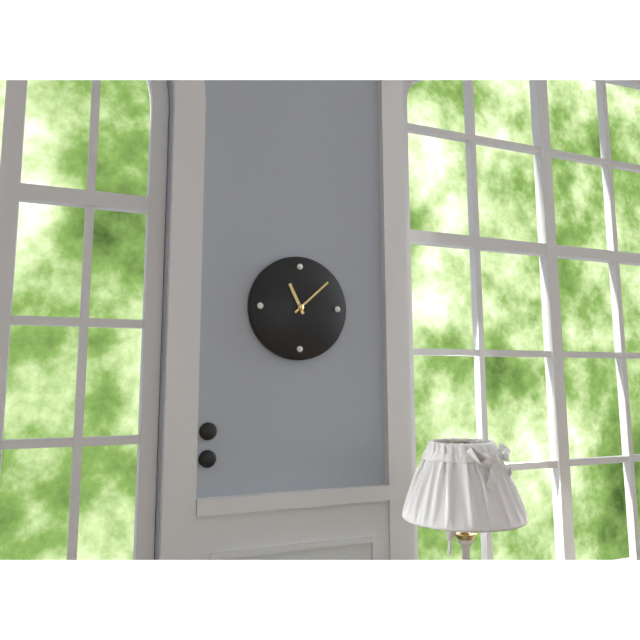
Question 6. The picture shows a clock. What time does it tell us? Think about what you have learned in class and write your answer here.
11:08
